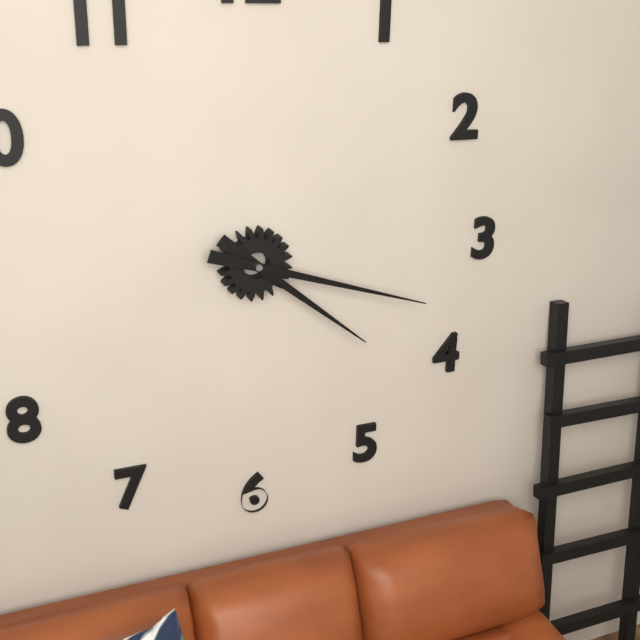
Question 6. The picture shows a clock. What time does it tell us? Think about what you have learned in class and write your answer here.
4:18
